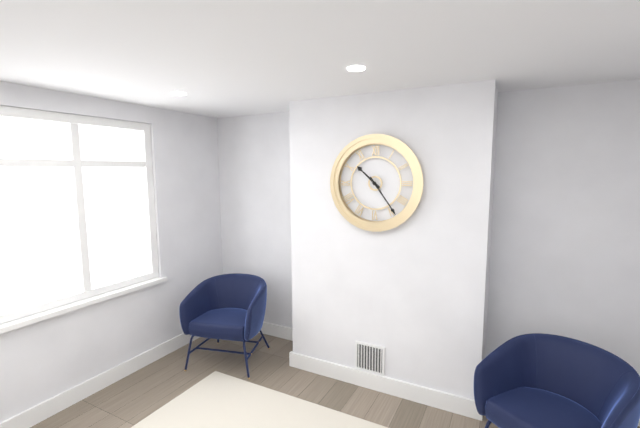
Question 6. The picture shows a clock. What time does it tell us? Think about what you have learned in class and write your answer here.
10:24
